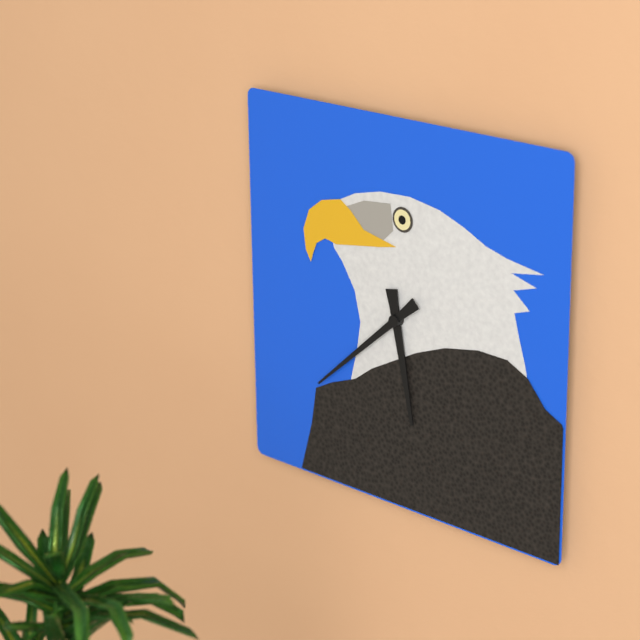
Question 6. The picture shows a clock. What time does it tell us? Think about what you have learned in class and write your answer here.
5:38
